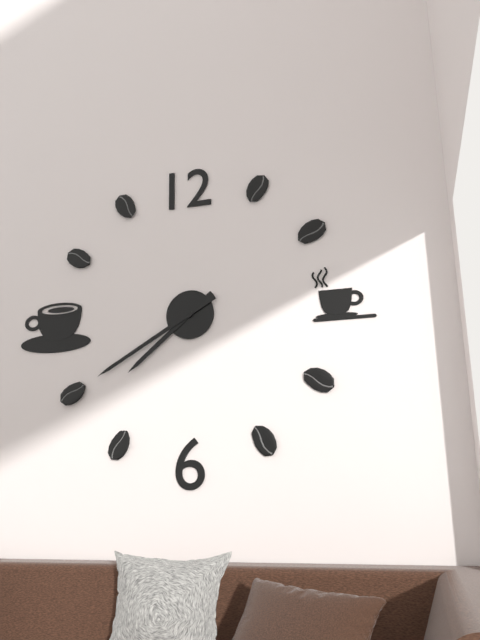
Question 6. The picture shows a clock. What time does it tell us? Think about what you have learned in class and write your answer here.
7:40
